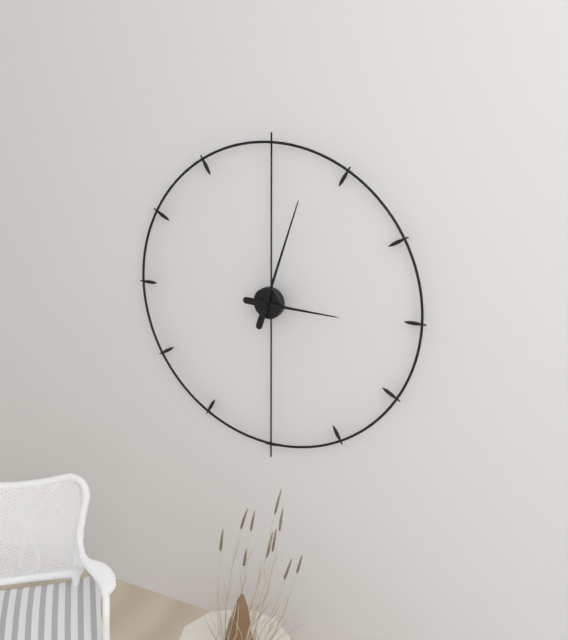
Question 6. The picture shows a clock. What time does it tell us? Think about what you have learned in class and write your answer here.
3:03
